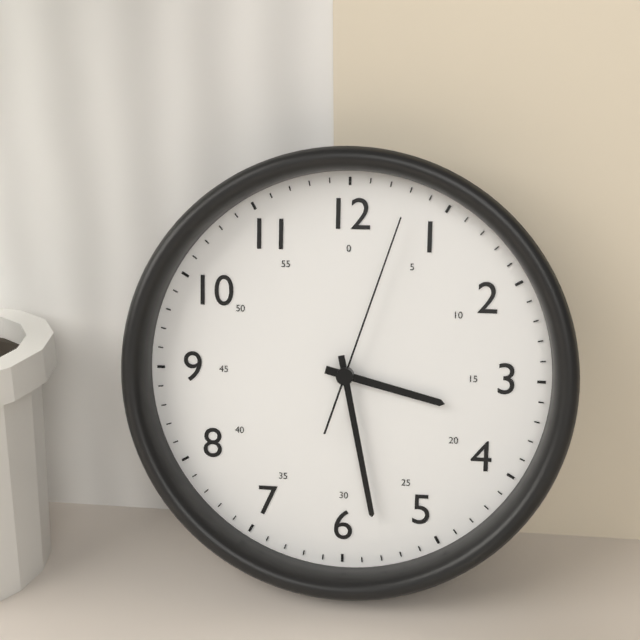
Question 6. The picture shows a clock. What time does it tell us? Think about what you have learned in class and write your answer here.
3:28:03
